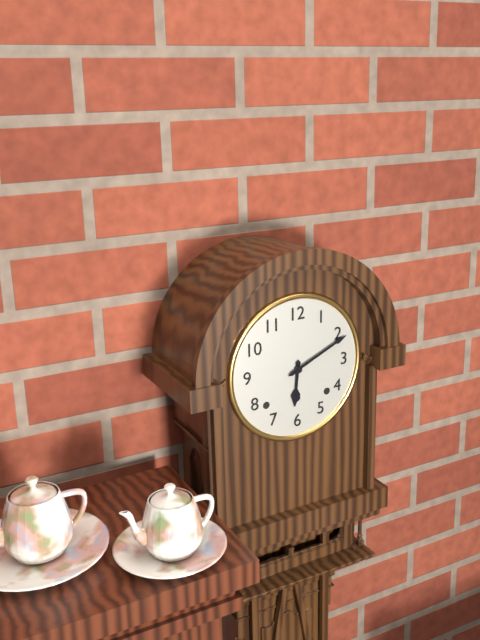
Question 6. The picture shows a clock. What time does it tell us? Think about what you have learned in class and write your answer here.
6:11
